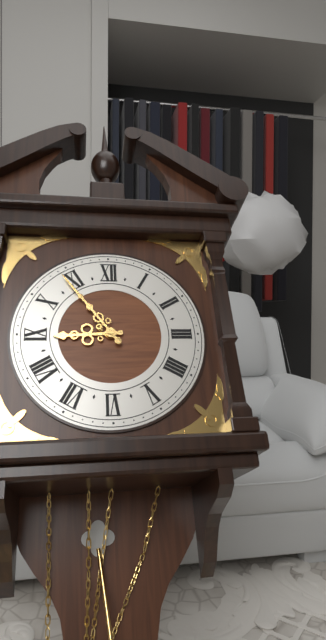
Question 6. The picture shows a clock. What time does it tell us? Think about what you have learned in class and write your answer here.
8:54
